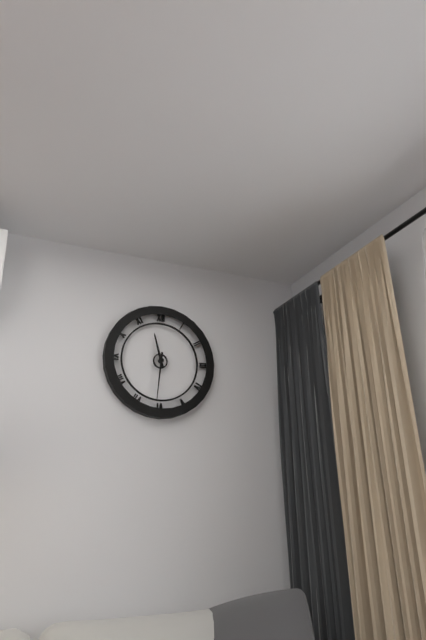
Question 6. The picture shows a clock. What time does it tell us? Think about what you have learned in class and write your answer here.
11:31
